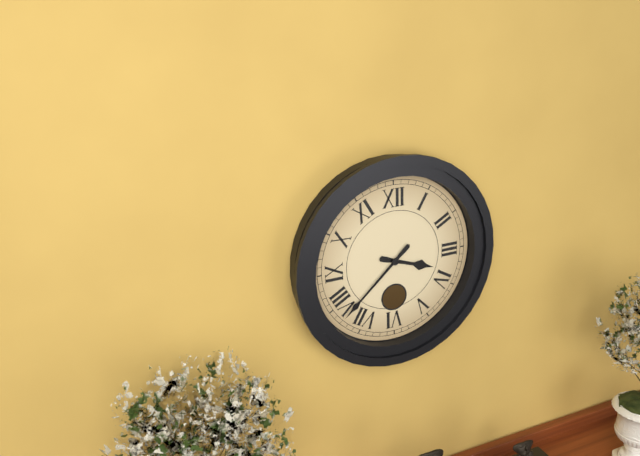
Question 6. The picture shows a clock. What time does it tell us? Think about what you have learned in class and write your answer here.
3:38
